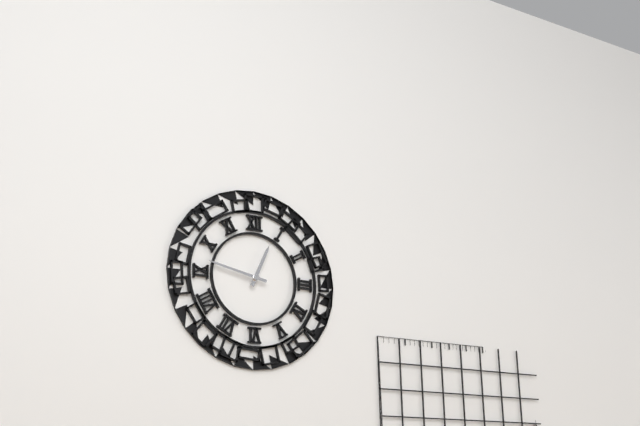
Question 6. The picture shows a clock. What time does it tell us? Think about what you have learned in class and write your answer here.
12:47
